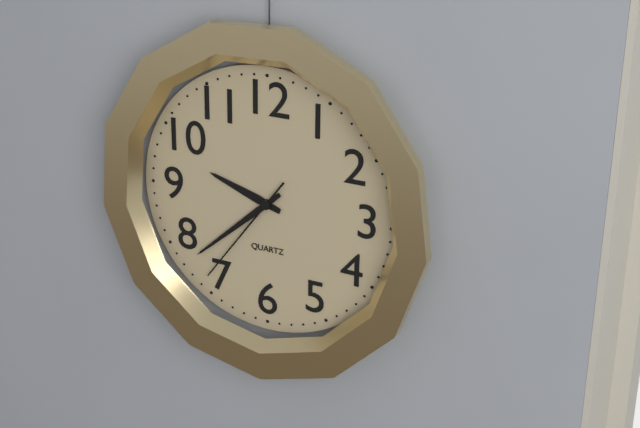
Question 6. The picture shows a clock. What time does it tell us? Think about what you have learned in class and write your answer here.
9:38:36
